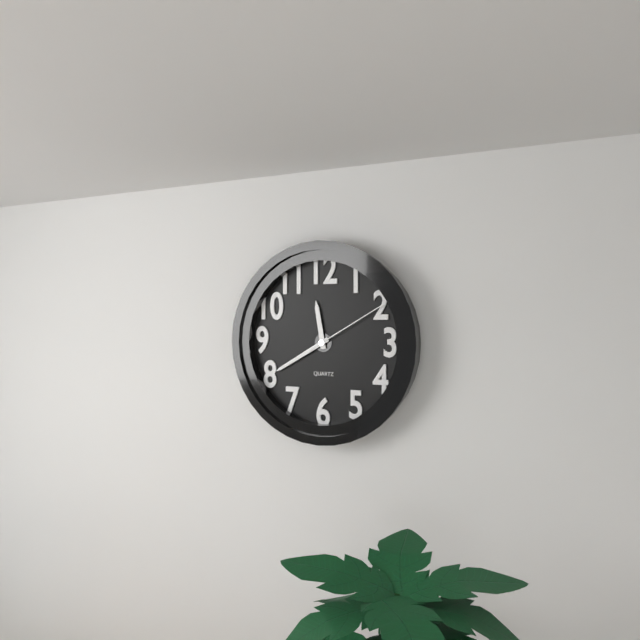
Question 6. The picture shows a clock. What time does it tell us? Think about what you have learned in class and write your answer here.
11:40:10
